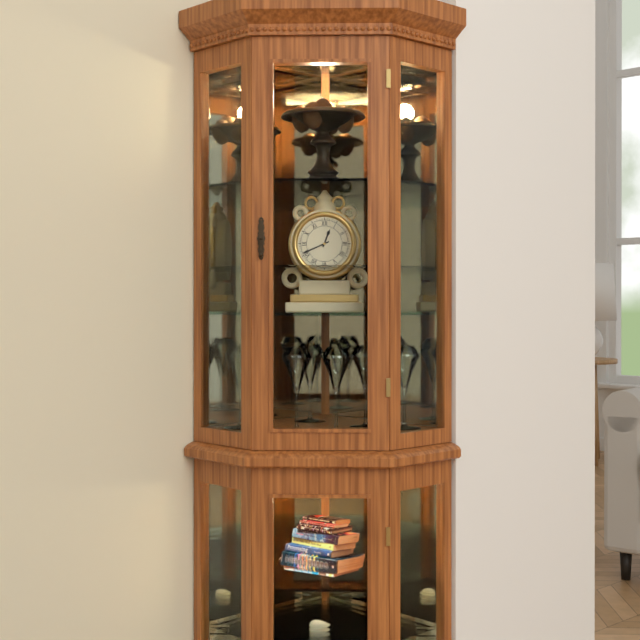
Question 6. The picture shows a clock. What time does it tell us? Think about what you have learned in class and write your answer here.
12:41
